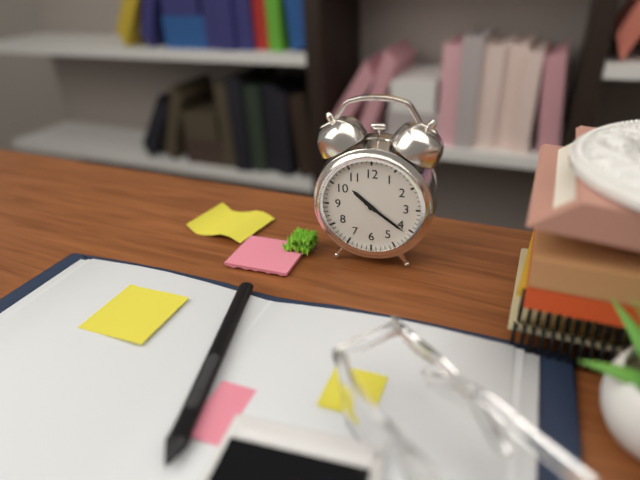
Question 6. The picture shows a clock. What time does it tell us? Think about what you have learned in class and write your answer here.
10:21
